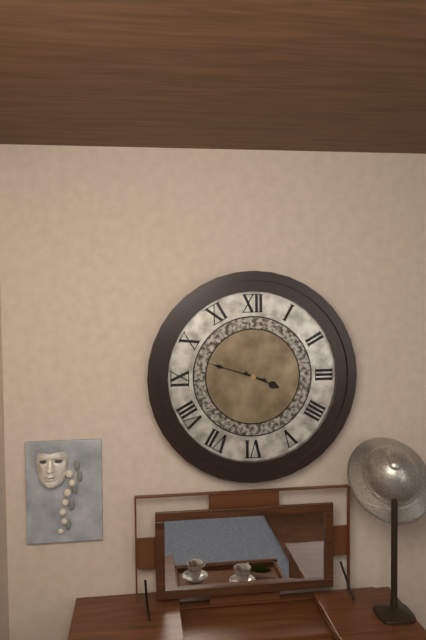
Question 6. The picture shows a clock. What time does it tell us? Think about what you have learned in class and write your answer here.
3:48
